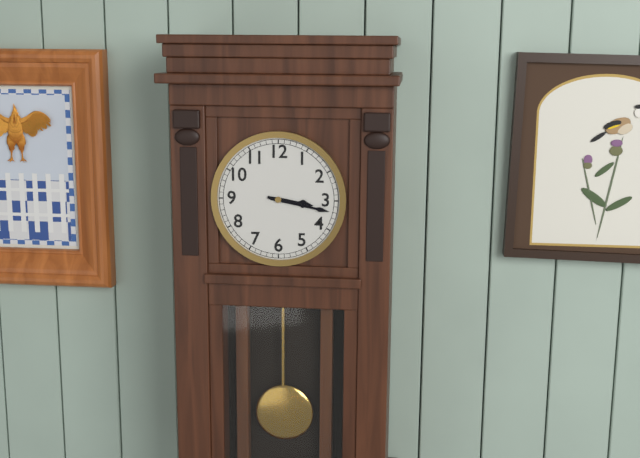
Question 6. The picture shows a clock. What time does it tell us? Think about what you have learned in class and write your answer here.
3:17
